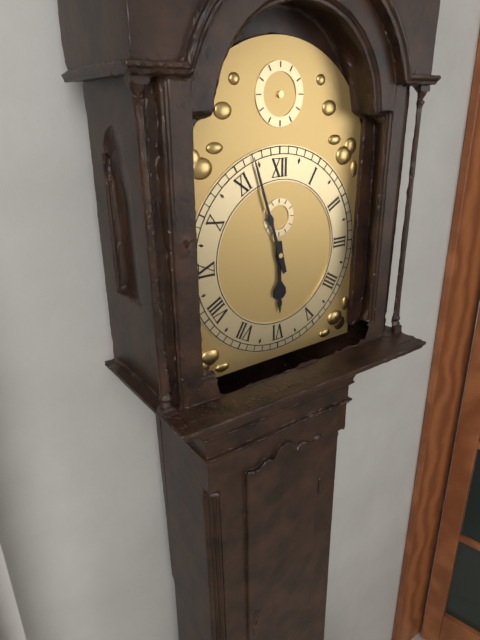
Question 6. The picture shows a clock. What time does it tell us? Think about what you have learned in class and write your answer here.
5:57
